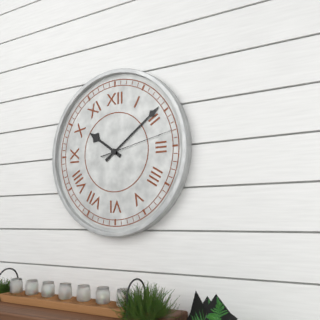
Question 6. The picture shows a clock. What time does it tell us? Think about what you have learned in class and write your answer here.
10:09:13
